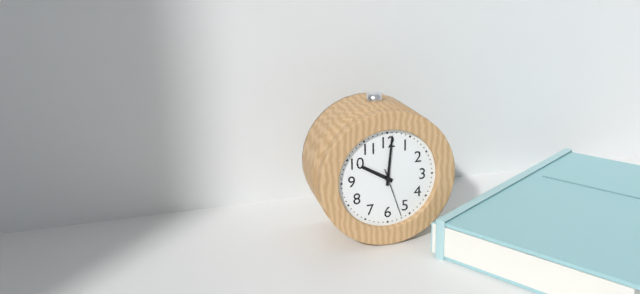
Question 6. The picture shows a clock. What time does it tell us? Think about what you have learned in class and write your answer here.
10:01
